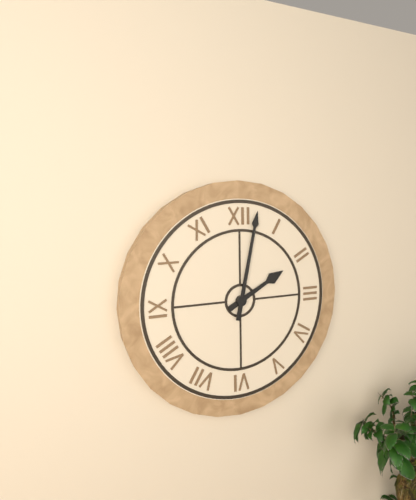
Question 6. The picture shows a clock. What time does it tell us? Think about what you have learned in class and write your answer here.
2:02
